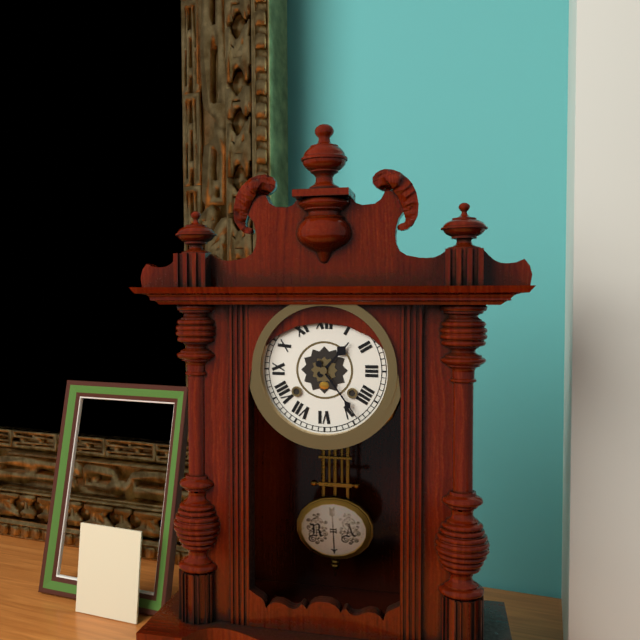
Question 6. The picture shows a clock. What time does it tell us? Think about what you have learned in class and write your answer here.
1:24
